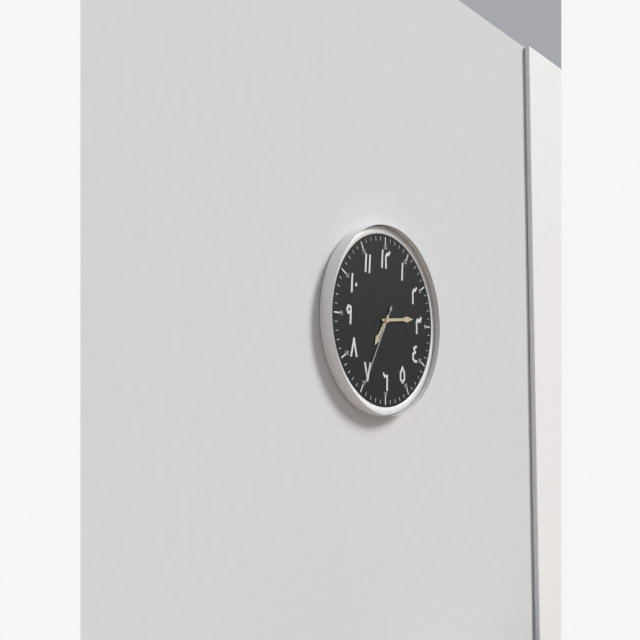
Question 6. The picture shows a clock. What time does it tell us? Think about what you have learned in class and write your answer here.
7:14:35
